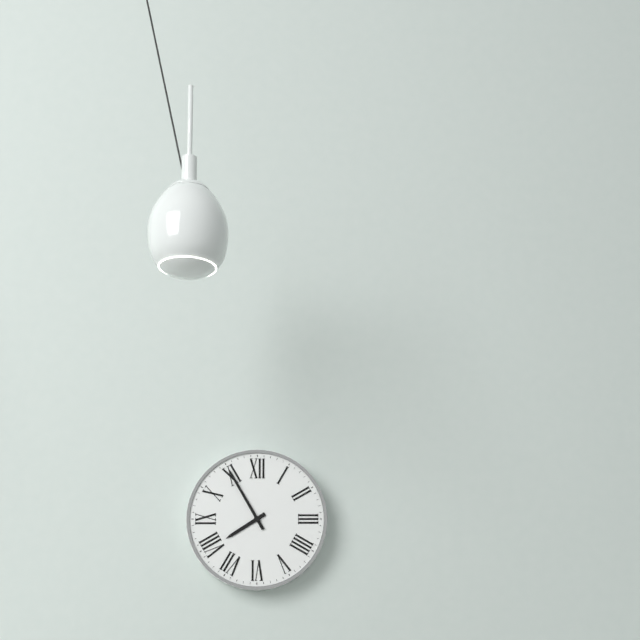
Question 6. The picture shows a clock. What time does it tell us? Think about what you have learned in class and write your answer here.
7:55
